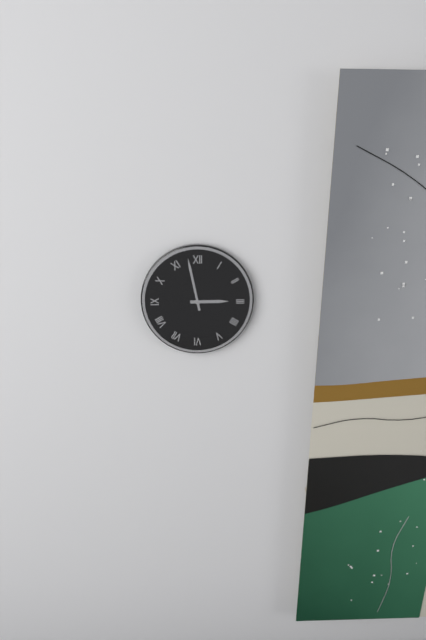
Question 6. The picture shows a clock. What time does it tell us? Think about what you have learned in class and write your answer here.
2:58
